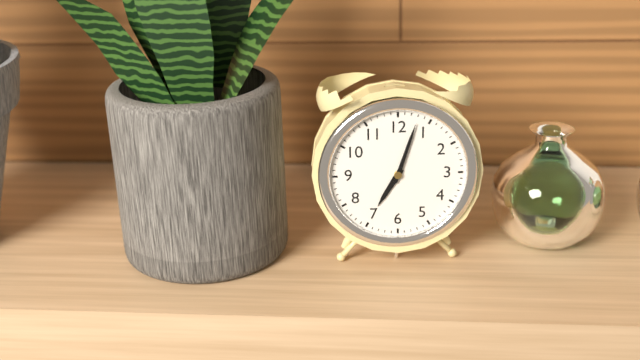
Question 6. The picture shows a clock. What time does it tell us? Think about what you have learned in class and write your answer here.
7:03
